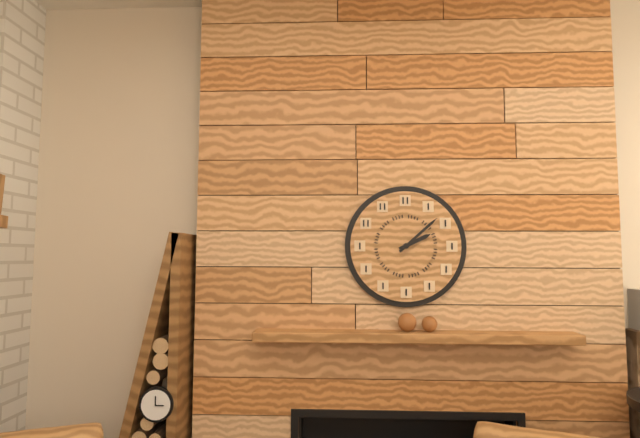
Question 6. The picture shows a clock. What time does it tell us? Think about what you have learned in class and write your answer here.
2:08
